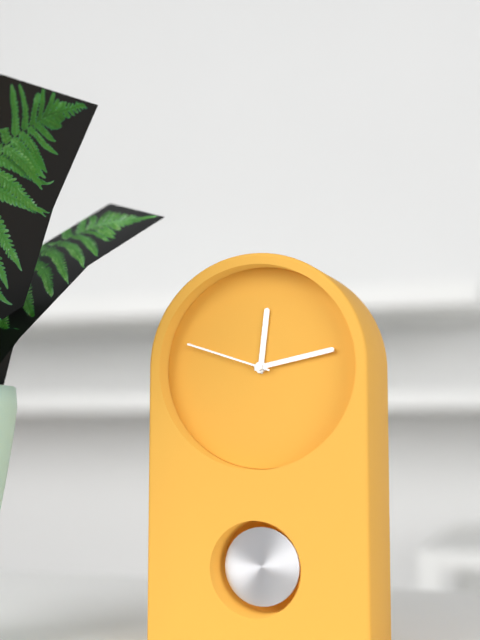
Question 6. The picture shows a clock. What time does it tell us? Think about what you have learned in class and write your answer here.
12:13:48
